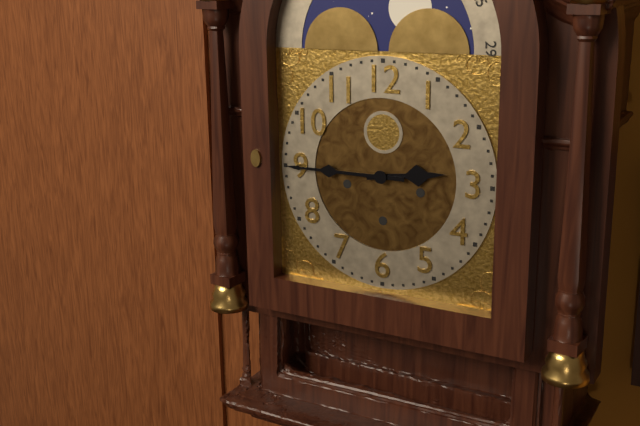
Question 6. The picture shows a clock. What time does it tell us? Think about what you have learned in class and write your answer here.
2:45
